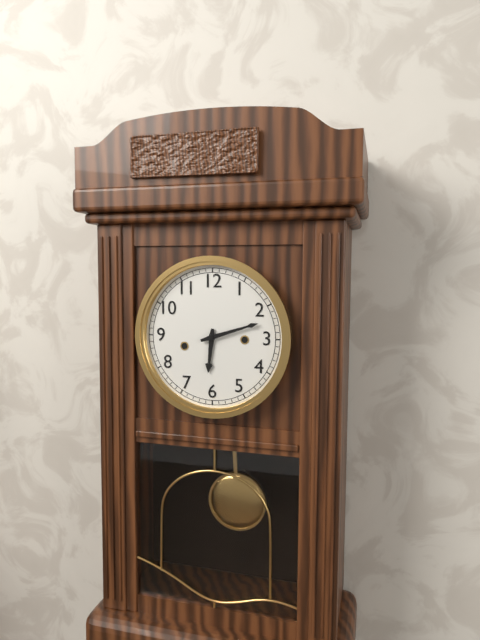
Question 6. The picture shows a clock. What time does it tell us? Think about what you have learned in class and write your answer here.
6:12
